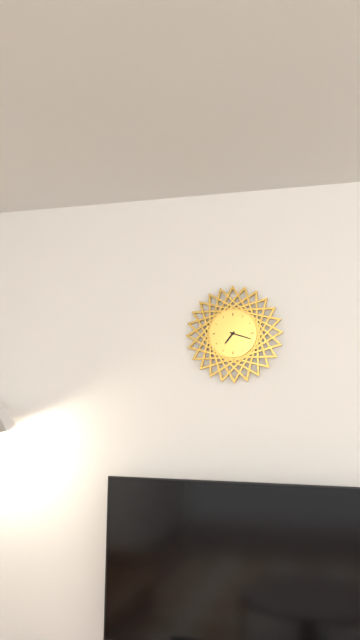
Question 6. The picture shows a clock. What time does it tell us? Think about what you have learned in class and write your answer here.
7:18
